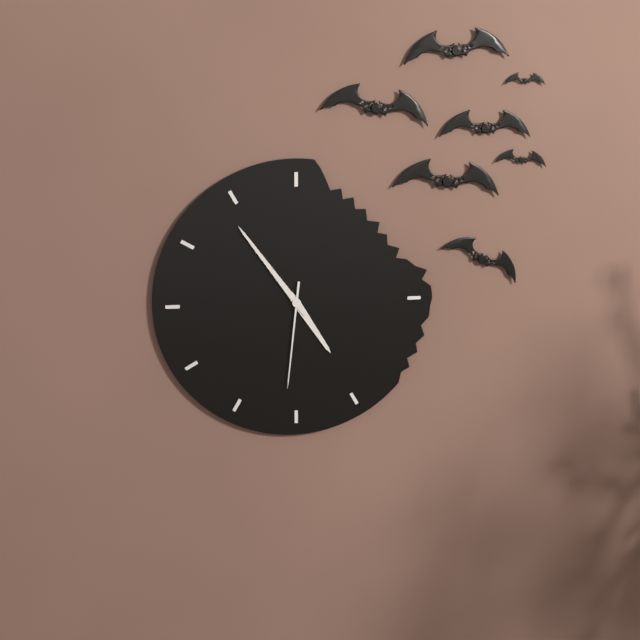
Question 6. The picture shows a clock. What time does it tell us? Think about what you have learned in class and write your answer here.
4:54:31
